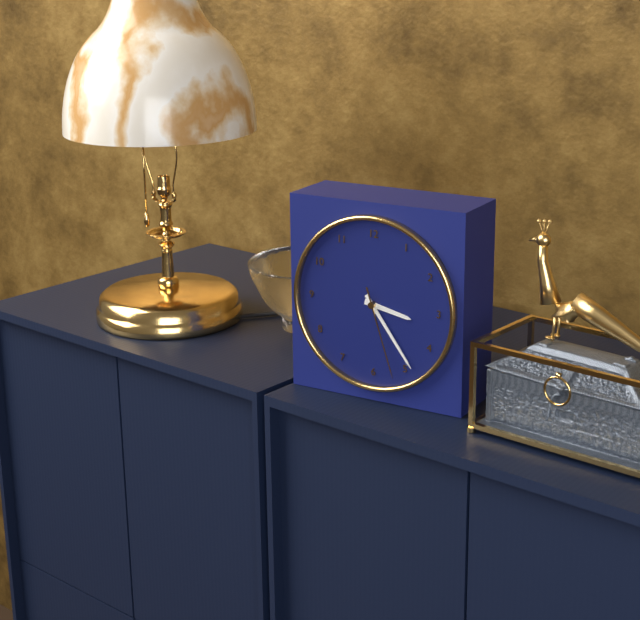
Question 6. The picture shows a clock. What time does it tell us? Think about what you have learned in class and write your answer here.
3:24:27
